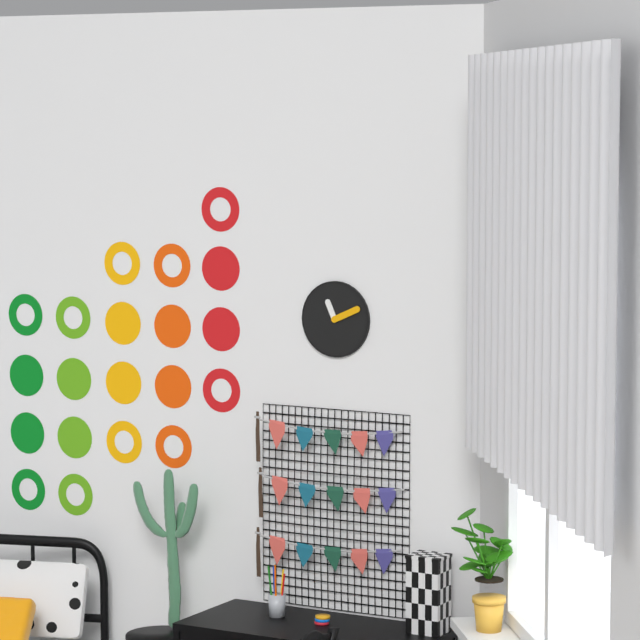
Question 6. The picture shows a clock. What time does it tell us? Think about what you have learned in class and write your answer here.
11:11
